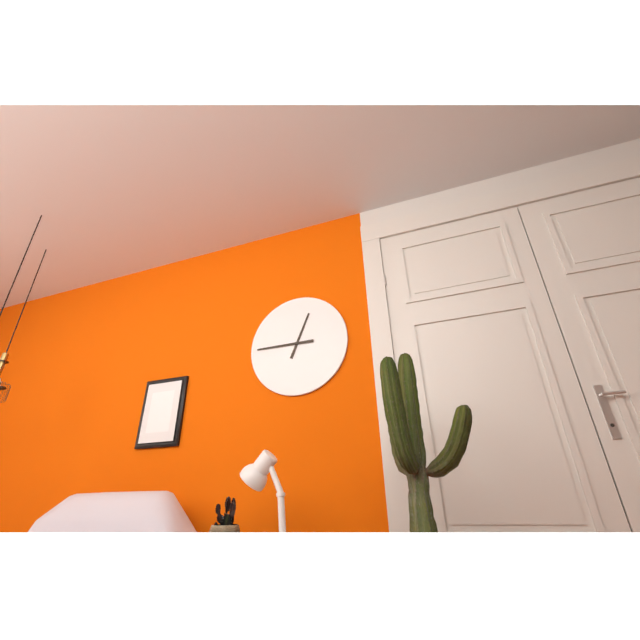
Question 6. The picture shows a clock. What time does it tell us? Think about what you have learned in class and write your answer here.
12:45
